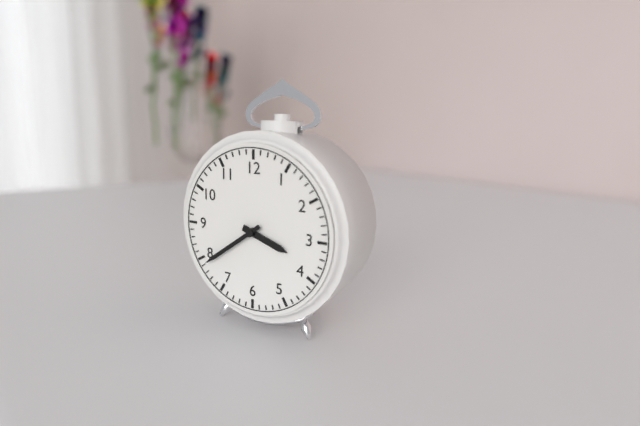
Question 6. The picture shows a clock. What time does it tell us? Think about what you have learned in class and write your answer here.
3:39
